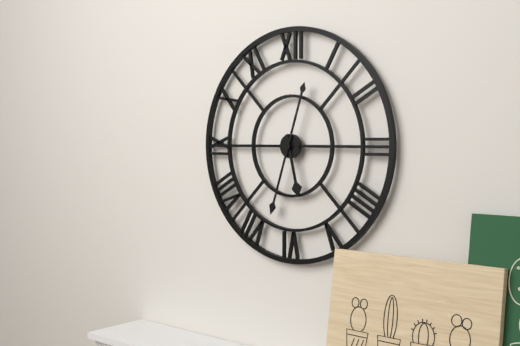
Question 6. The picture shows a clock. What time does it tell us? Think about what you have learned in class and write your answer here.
5:33
